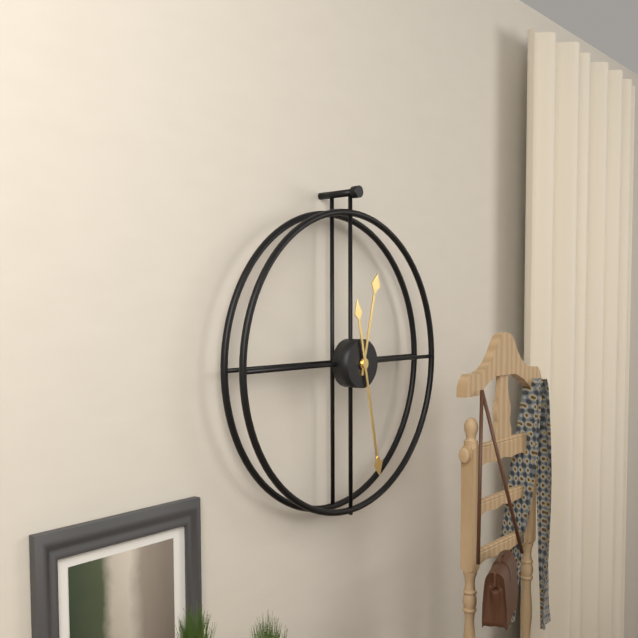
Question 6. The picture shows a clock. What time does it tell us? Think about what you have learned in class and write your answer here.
12:28
